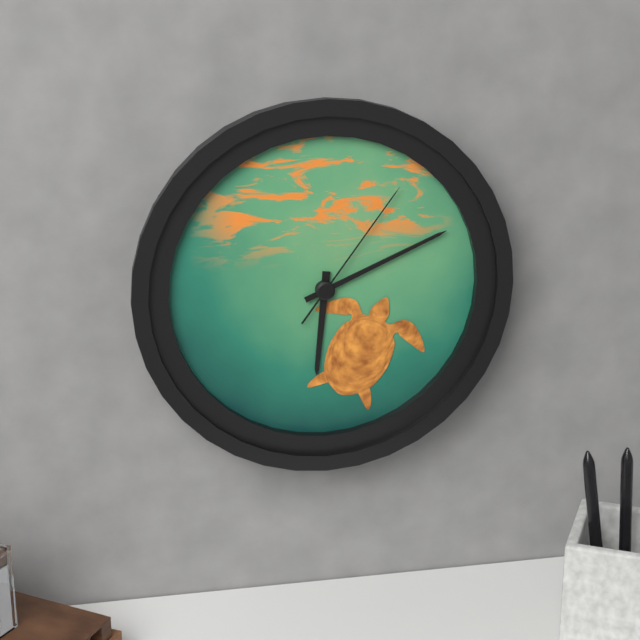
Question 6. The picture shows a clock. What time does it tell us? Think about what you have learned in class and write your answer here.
6:11:06
